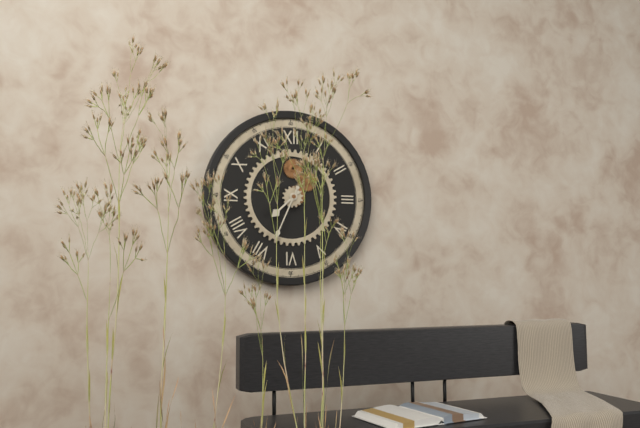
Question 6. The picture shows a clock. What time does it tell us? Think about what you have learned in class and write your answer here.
7:34
